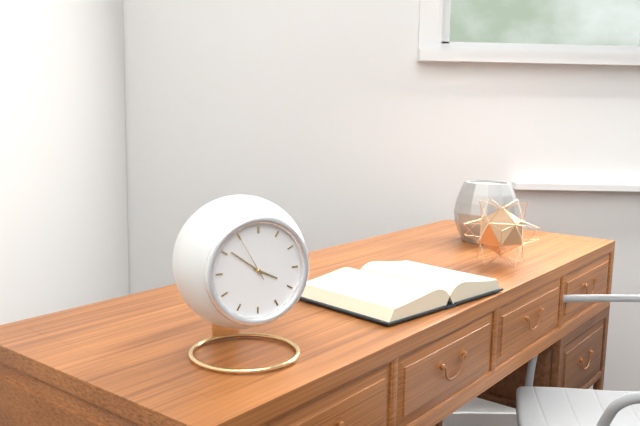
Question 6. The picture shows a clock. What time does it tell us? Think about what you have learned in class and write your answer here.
3:51:55
